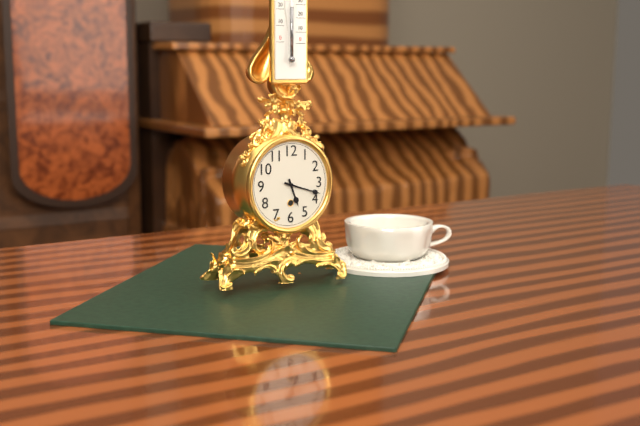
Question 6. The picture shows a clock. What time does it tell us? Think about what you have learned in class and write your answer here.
5:18
